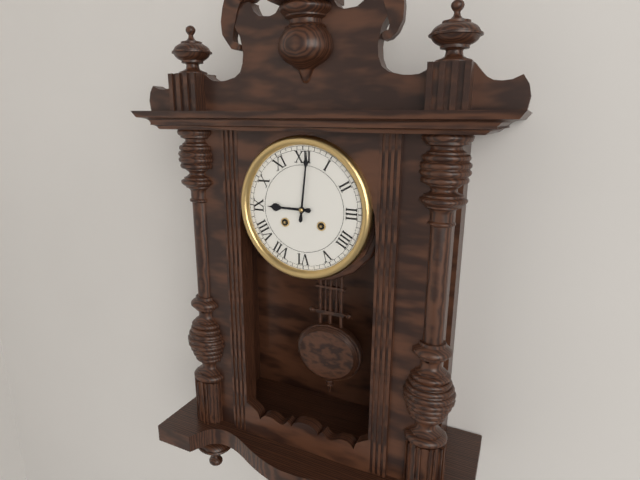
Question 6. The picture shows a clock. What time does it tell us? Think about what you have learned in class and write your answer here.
9:01
